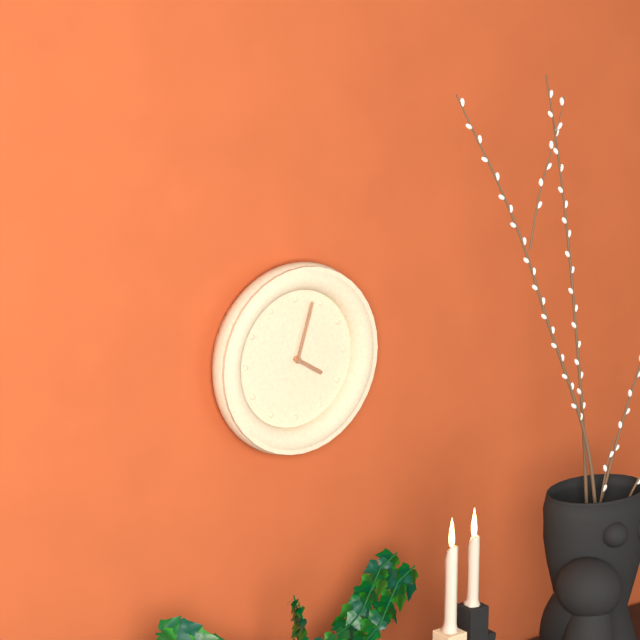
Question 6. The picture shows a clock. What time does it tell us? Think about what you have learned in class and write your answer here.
4:03
